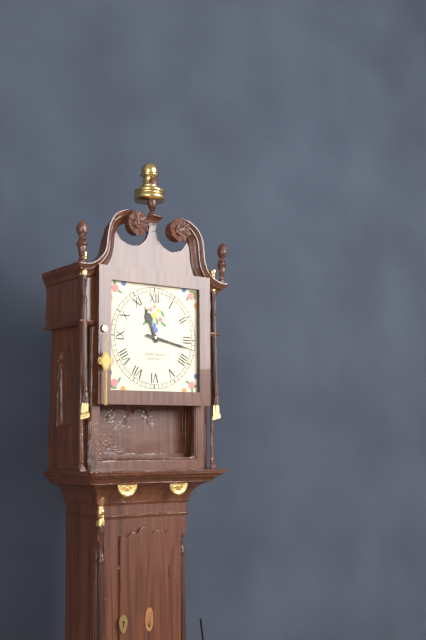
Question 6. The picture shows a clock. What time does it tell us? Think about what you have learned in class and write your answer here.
11:17
